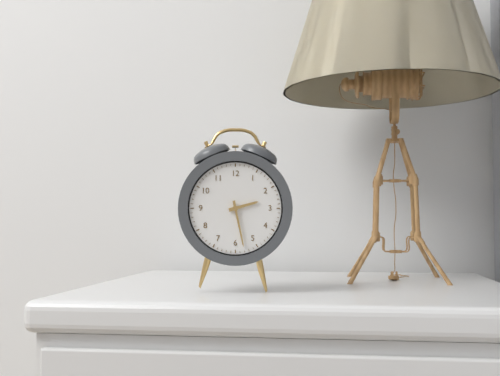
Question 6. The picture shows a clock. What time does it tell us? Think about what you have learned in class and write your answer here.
2:28
